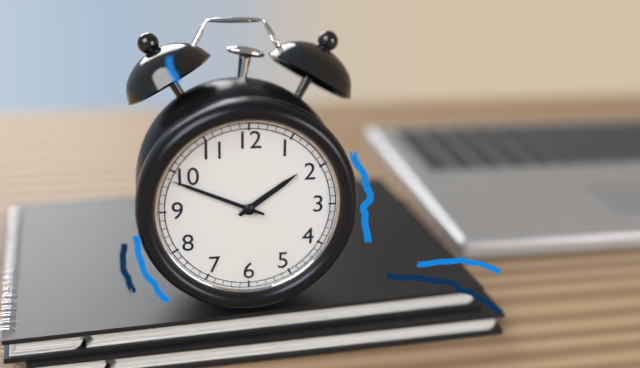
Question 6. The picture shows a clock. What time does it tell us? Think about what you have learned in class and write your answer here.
1:49
